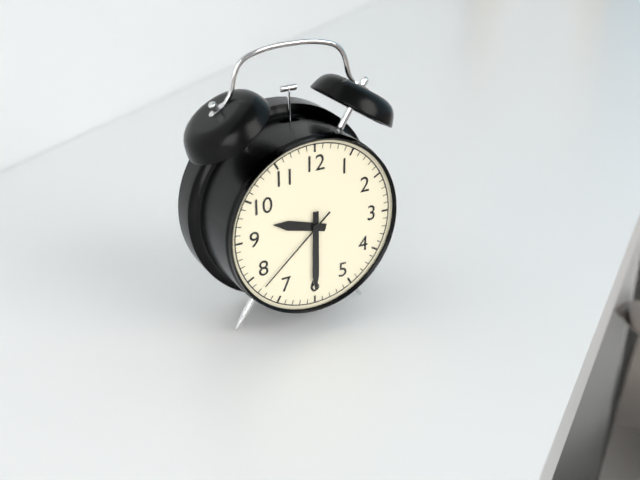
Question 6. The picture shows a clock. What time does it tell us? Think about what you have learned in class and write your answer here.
9:30:38
